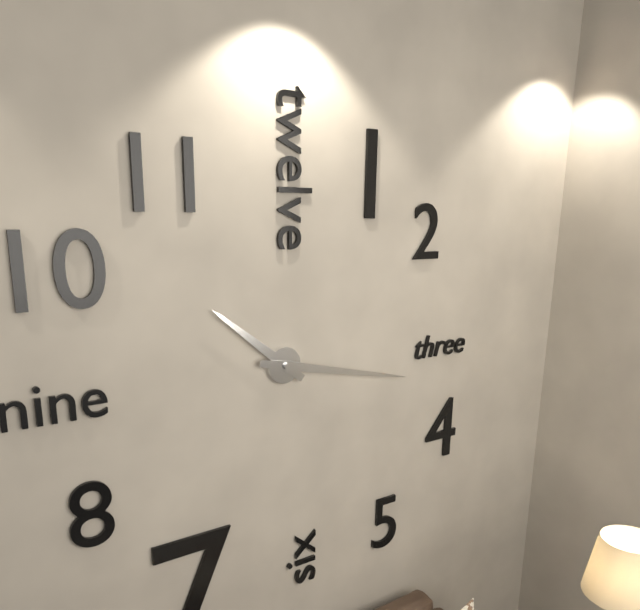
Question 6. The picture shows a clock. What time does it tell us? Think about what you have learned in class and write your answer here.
10:17
